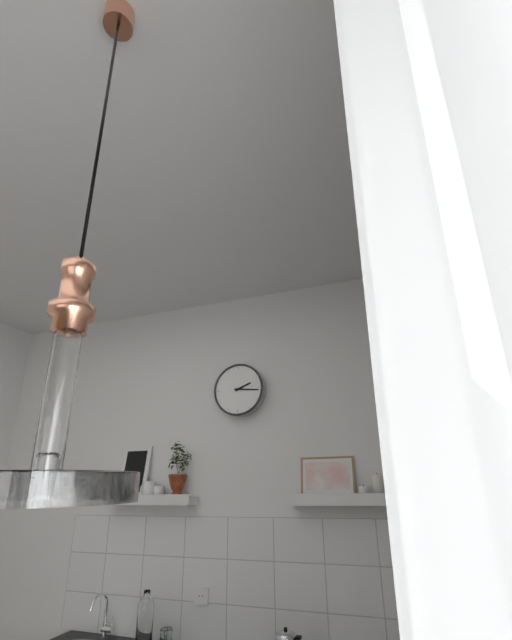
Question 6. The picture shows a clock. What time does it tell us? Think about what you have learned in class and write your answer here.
2:16
